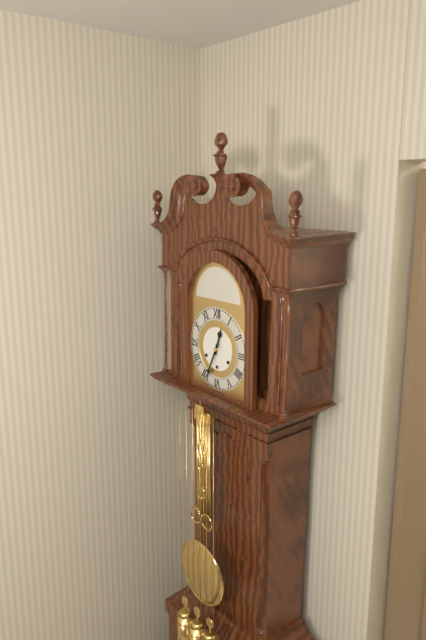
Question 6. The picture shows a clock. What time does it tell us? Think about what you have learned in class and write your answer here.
12:34
